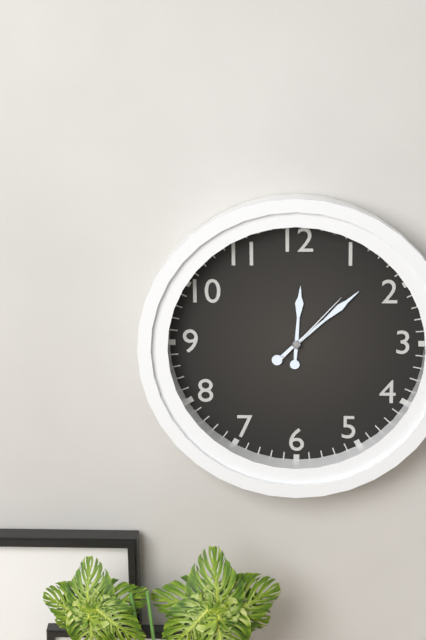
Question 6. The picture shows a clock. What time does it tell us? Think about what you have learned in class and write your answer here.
12:08:07
